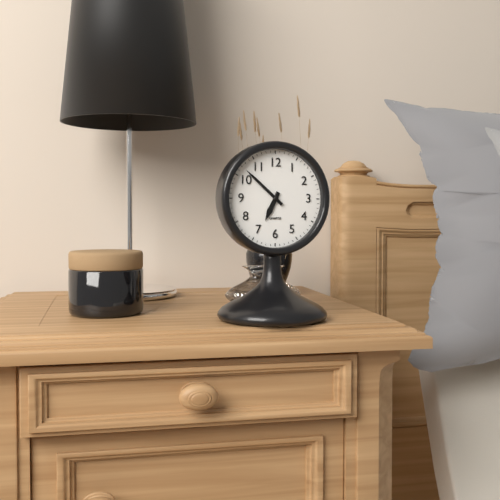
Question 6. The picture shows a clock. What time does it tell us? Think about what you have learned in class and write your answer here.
6:52
